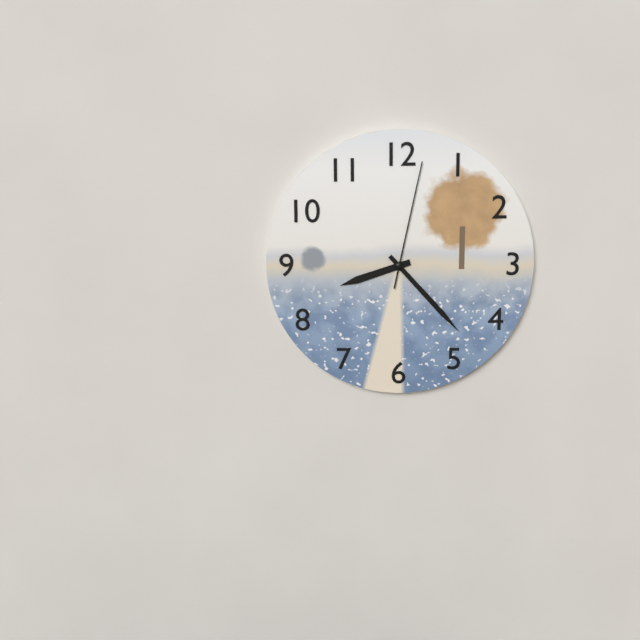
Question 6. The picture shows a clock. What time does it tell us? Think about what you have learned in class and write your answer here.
8:23:02
